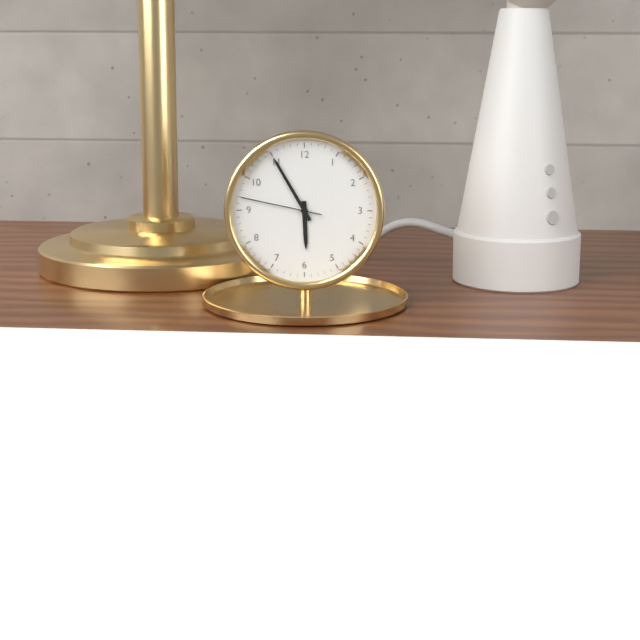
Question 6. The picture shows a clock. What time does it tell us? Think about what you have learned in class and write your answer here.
5:55:47
